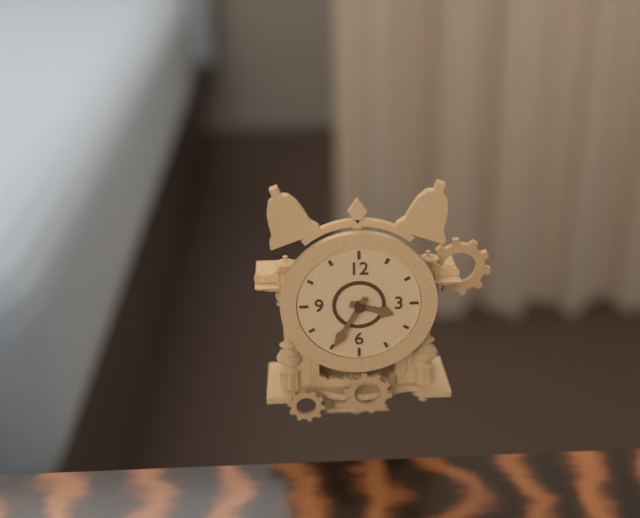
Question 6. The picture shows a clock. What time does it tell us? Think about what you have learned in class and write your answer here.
3:35
